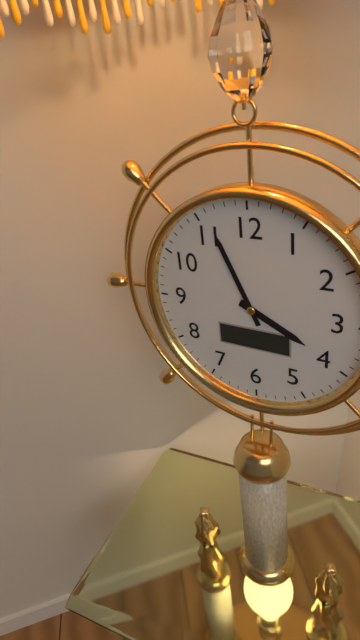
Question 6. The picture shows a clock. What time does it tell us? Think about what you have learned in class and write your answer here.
3:56
